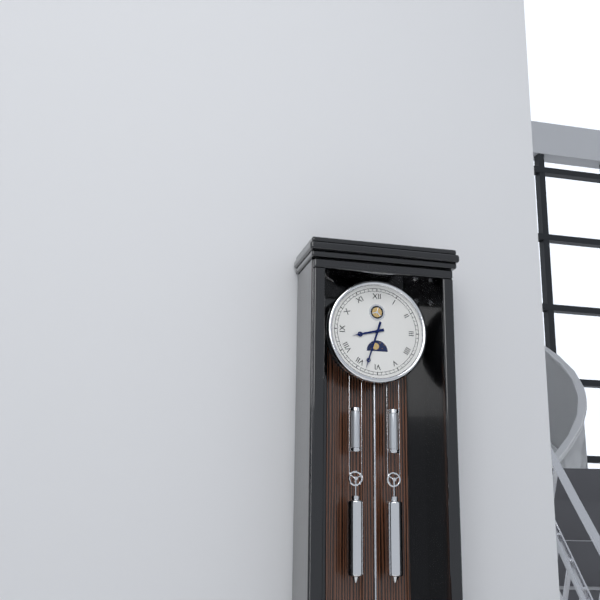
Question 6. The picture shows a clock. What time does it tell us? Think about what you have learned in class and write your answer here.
8:33
